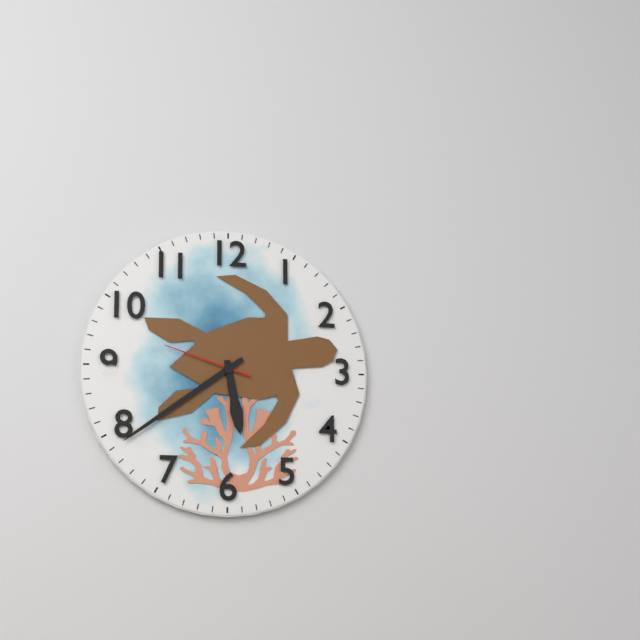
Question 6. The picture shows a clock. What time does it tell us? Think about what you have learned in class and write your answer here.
5:39:48
